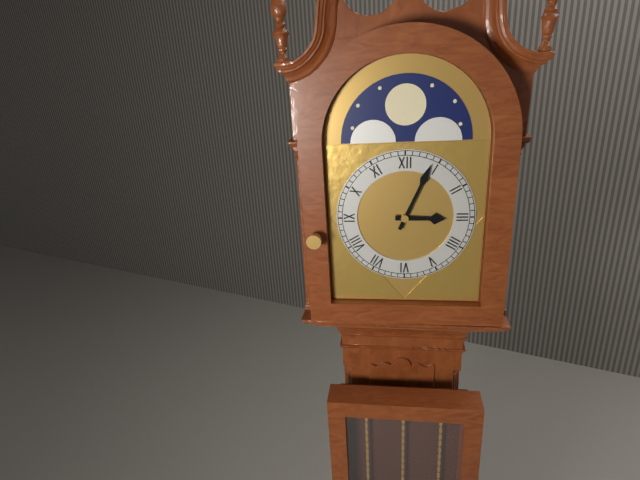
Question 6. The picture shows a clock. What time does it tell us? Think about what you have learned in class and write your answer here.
3:04
